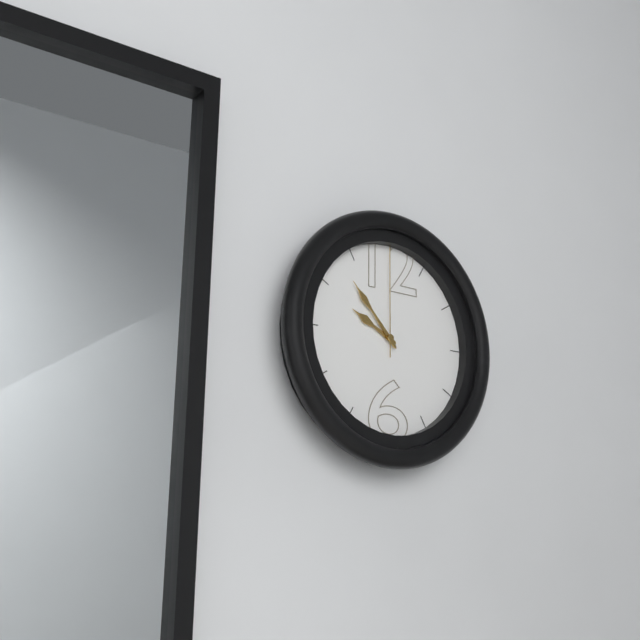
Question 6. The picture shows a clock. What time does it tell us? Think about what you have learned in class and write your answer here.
9:53:00
